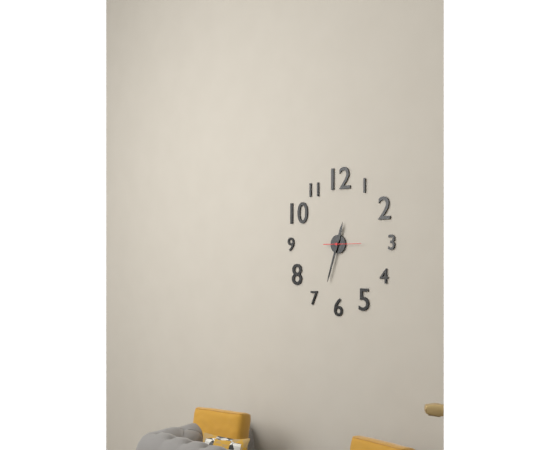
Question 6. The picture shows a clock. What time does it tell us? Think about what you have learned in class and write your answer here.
12:33
